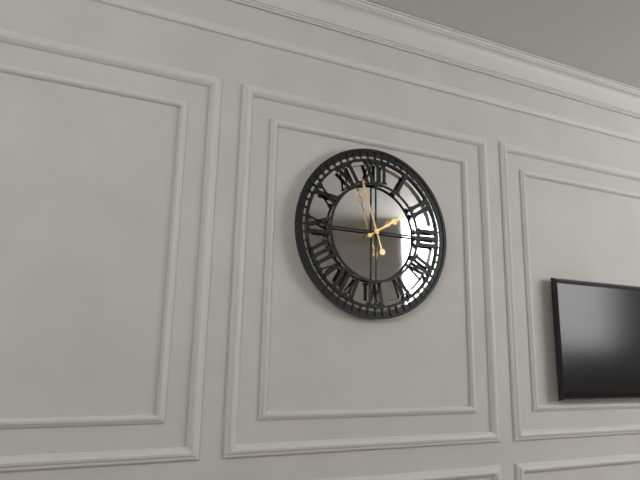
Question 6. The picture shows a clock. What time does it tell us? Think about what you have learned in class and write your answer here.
1:57
